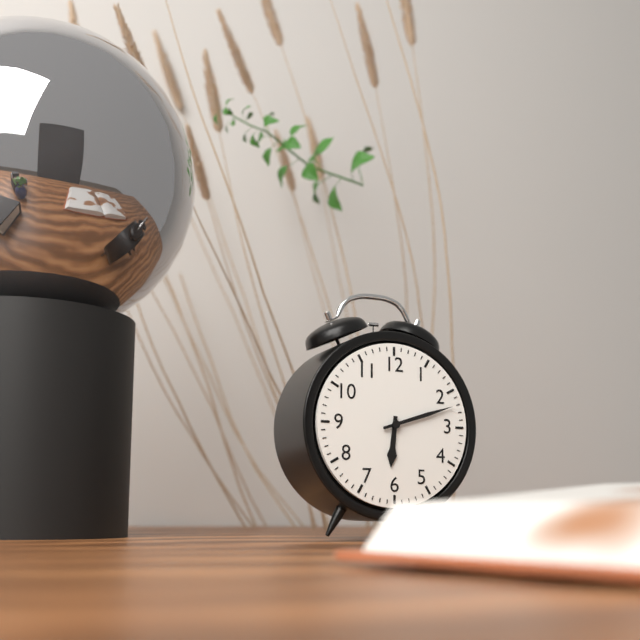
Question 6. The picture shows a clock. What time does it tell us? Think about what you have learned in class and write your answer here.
6:12
